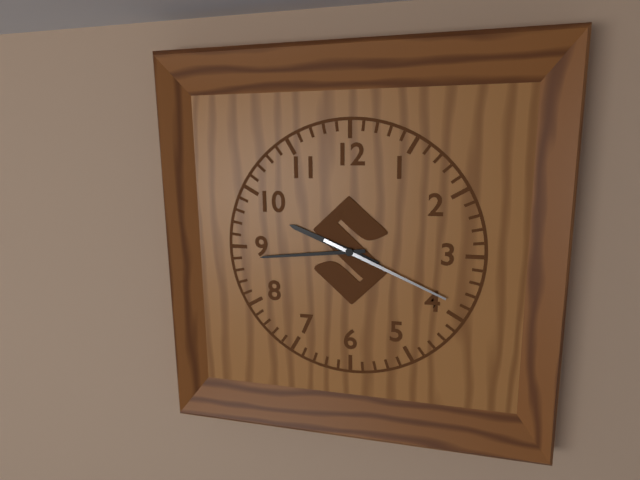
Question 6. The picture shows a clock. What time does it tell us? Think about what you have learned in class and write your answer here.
9:44:19
